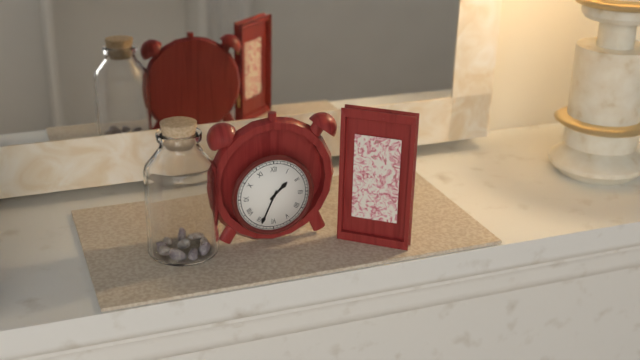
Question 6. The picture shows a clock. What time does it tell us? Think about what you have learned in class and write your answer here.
1:34
